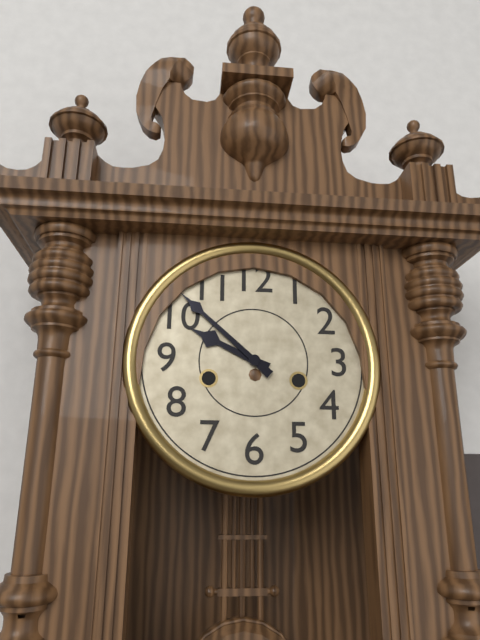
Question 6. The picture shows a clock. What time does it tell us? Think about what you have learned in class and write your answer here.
9:52
